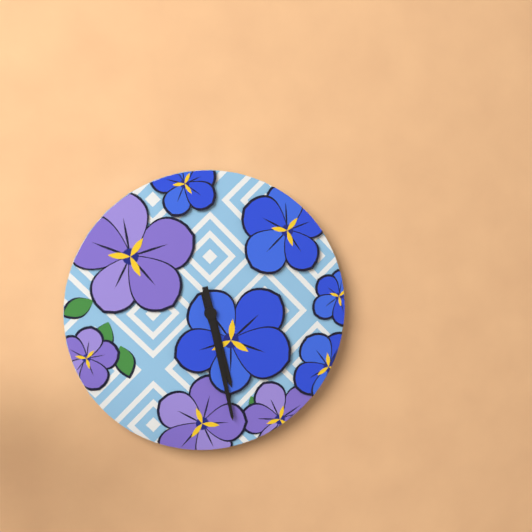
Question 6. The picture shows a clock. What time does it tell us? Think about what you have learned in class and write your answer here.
5:28
